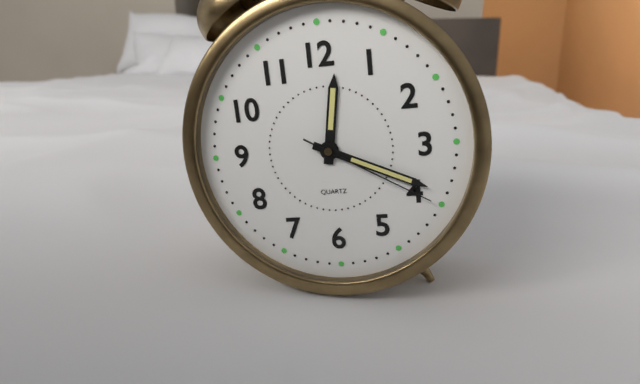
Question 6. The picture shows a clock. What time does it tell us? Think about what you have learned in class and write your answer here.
12:19:20
